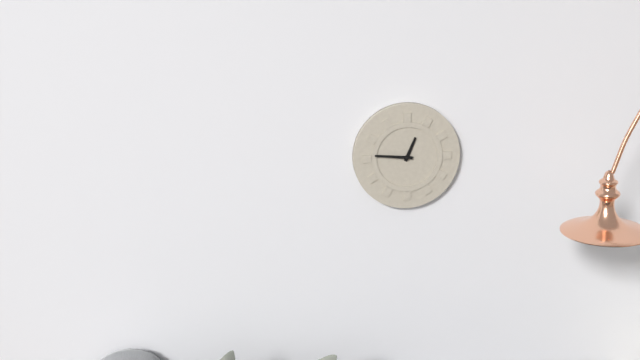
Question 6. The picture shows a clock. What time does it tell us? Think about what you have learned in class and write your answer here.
12:46
